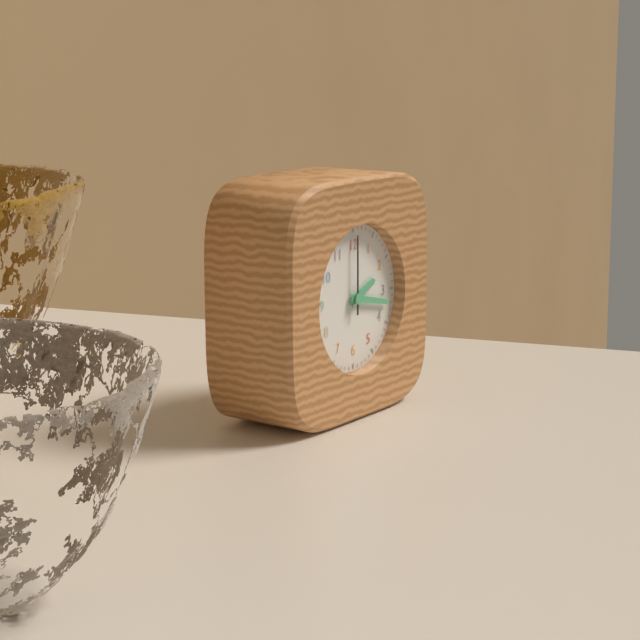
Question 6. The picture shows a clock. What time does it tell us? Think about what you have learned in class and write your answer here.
2:17:00
